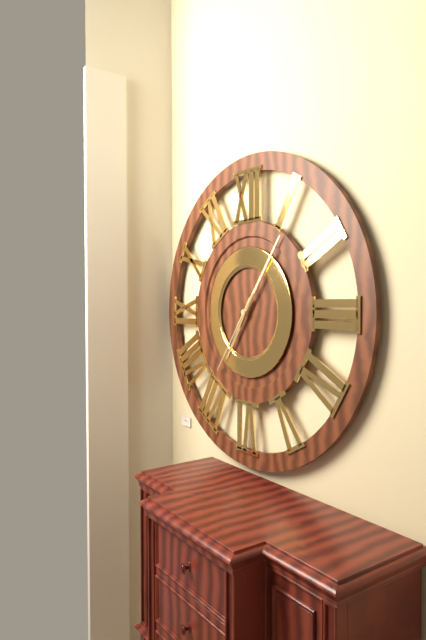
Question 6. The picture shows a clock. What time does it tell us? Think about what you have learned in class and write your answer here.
7:06:36
